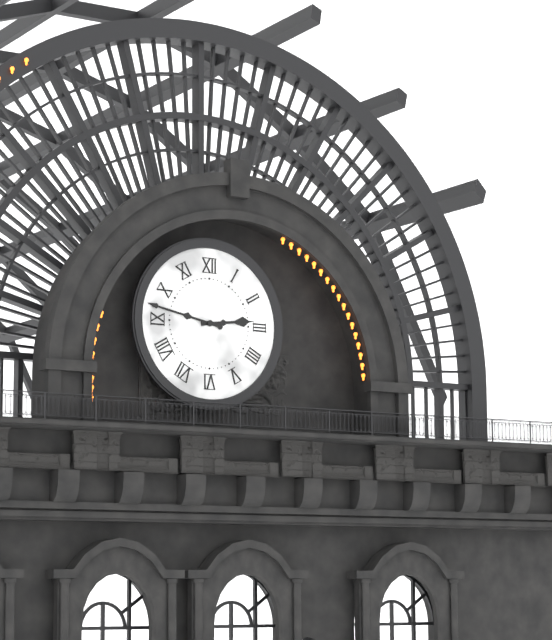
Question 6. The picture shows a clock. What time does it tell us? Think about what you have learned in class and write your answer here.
2:47
